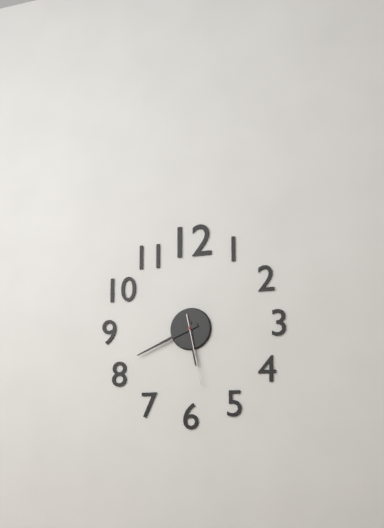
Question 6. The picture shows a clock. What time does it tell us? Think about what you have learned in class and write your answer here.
5:41:28
